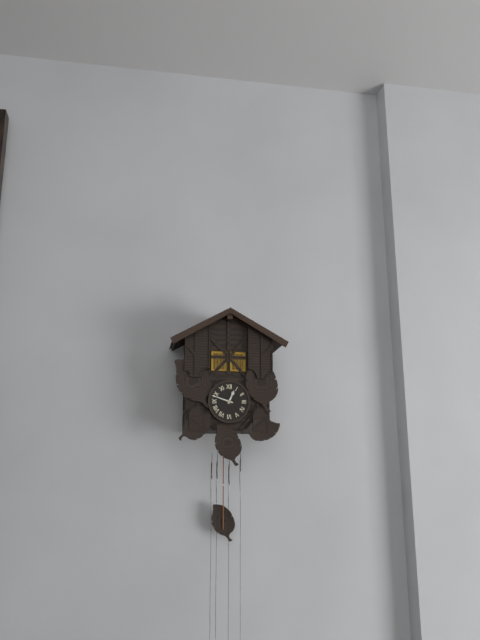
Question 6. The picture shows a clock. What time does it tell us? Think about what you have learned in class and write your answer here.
12:48
